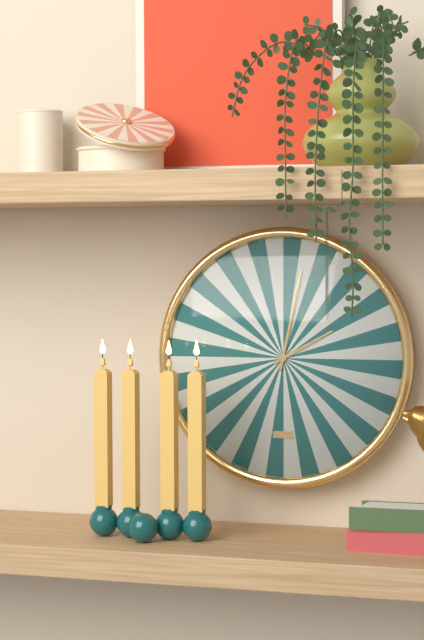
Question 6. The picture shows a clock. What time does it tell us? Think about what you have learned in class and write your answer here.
2:02
